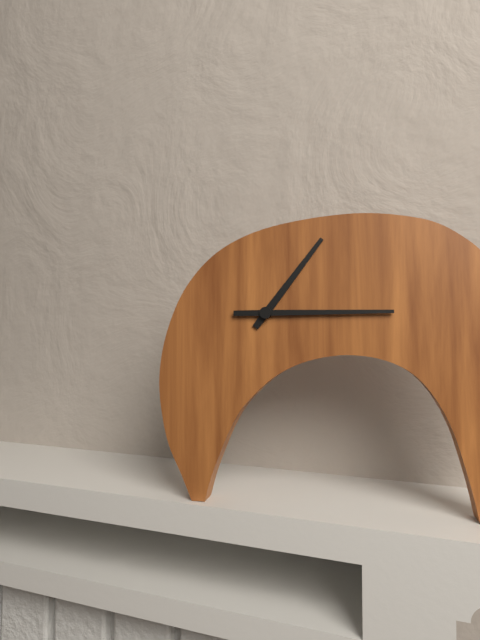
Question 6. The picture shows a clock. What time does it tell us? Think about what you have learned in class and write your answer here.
1:15
